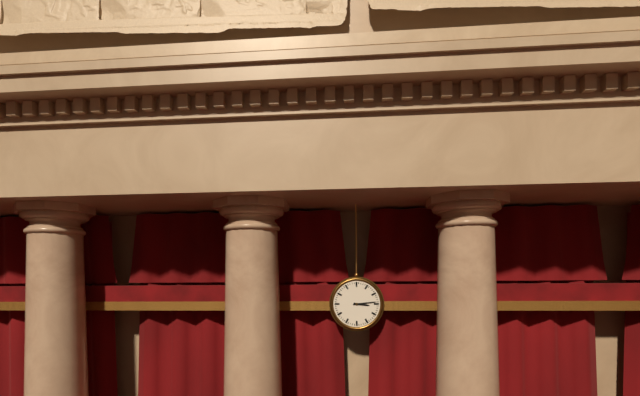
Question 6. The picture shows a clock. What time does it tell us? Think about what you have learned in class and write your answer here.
3:14
